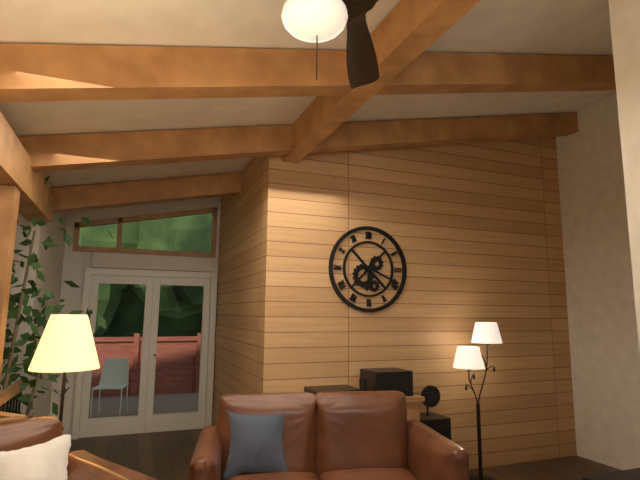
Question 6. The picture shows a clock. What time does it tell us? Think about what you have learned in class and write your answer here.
6:19
